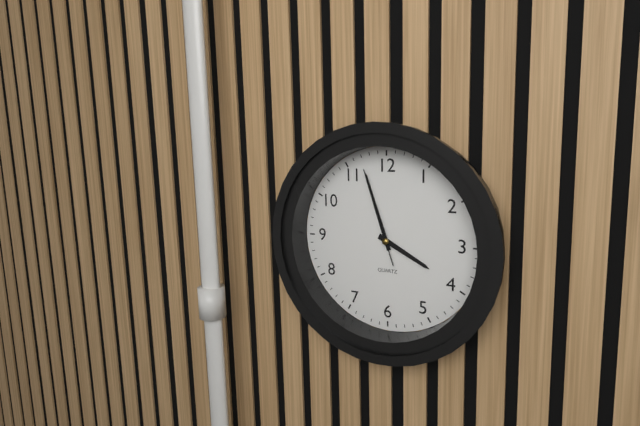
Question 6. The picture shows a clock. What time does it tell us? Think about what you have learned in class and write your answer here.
3:57:57
